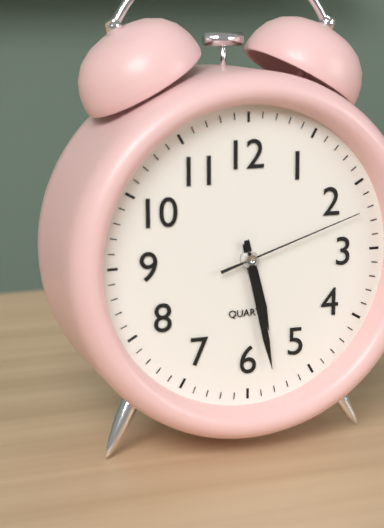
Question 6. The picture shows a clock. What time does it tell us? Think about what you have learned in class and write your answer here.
5:28:12
